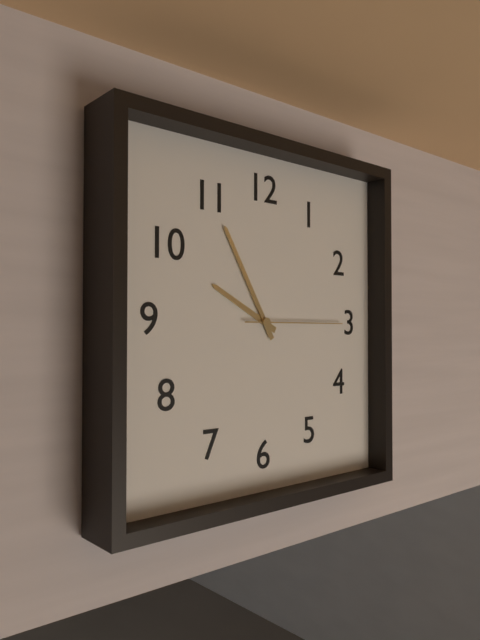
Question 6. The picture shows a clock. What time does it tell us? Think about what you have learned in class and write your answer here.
9:55:15
